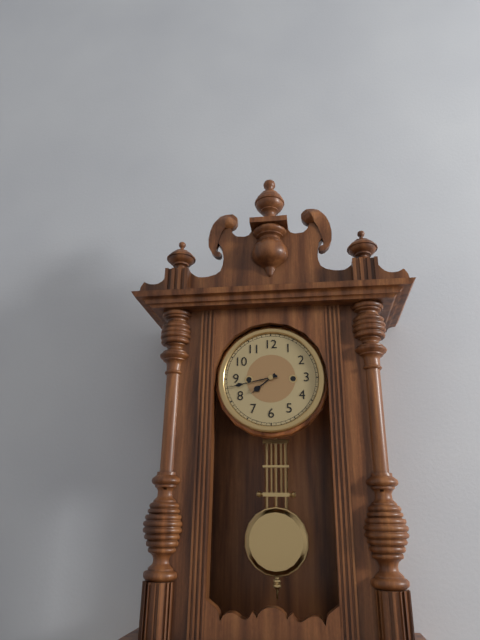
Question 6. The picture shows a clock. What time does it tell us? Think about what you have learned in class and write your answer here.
7:43
